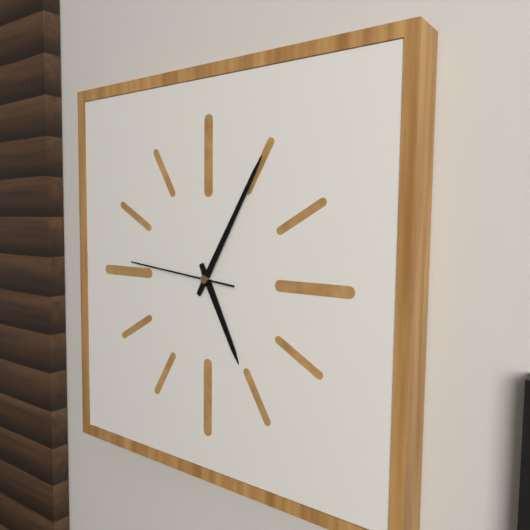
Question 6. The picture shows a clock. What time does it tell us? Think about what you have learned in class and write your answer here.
5:05:46
